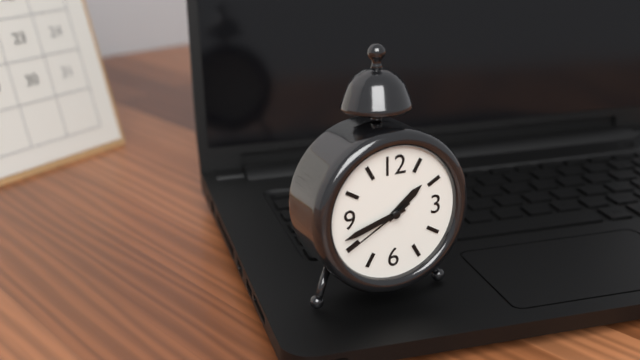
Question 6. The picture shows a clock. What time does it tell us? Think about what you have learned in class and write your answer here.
1:42:40
